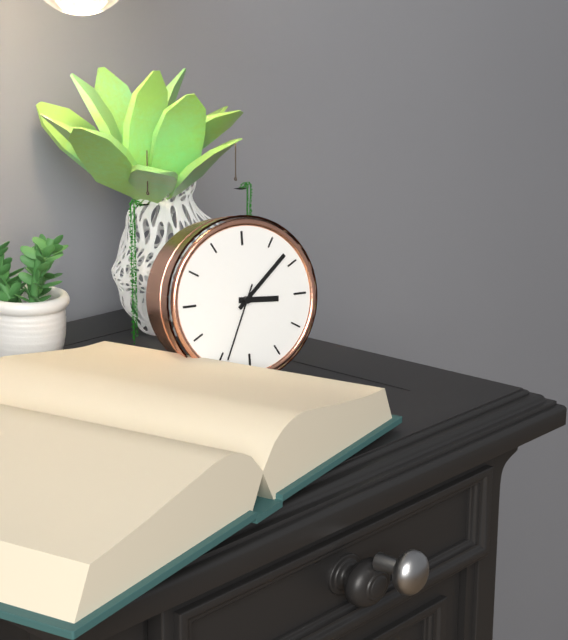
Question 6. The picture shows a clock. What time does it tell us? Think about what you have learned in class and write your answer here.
3:08:34
